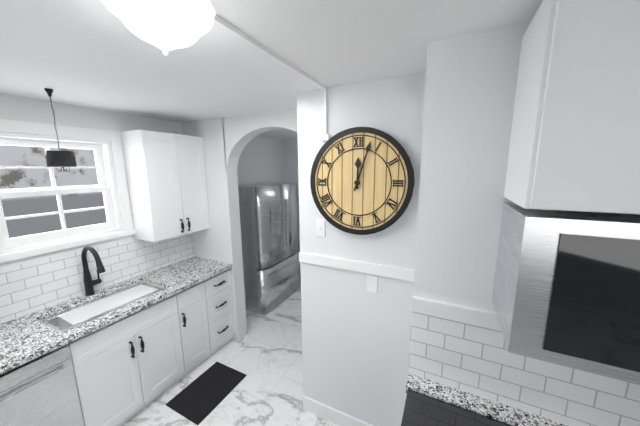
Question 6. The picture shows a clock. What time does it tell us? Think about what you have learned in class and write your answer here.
12:03
